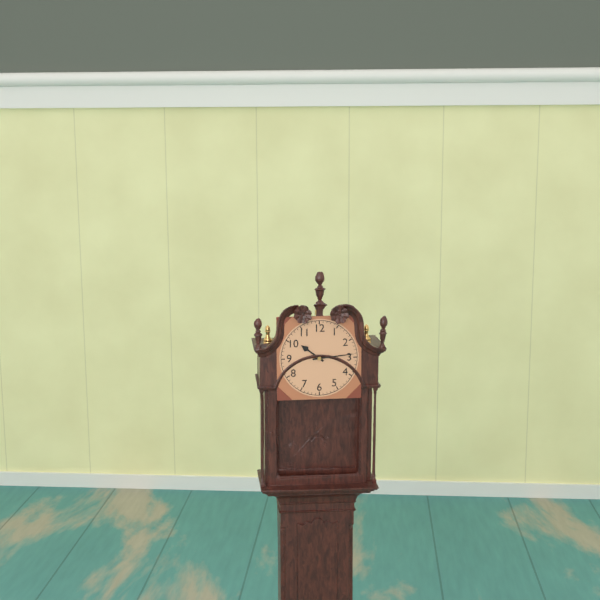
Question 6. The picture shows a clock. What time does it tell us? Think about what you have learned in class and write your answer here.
10:14
